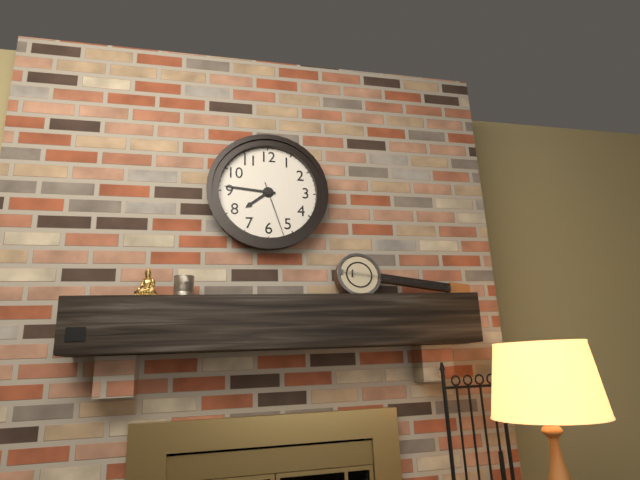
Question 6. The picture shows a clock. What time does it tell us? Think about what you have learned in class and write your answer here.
7:46:27
